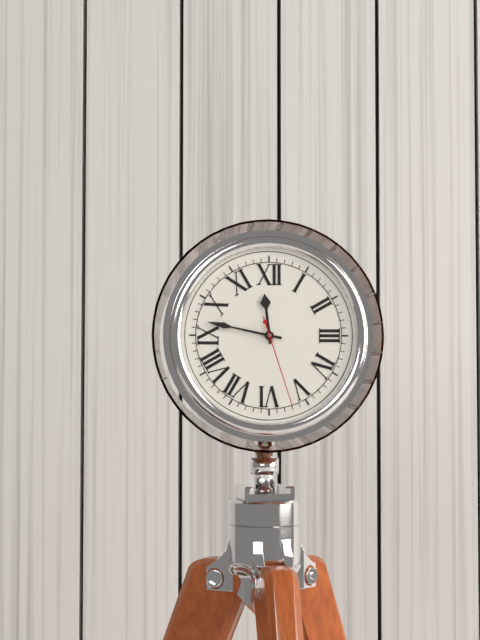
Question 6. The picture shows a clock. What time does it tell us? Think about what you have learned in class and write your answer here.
11:47:27
